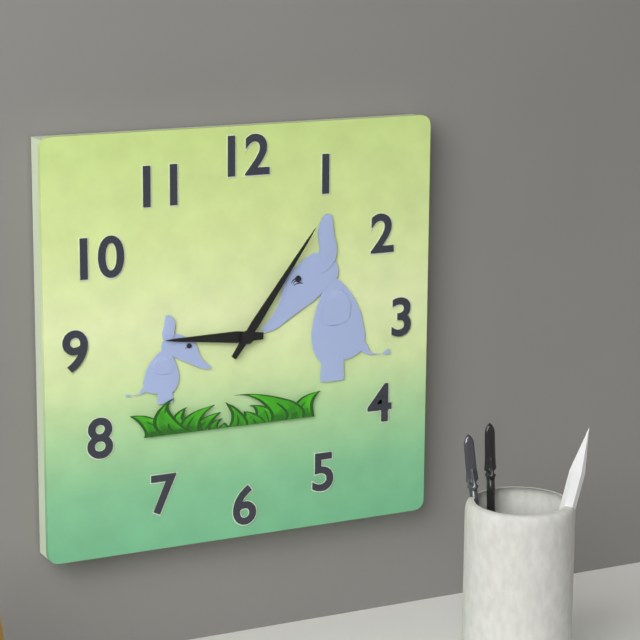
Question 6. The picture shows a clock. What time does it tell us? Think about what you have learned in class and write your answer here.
9:06
